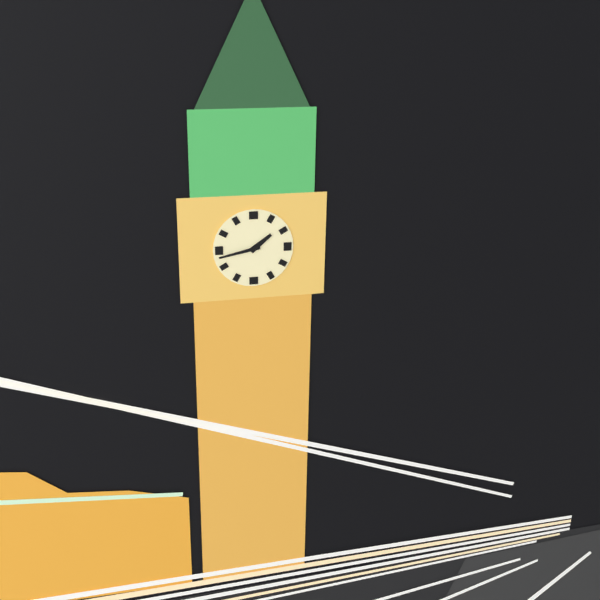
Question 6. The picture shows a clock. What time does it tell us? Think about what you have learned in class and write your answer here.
1:43
